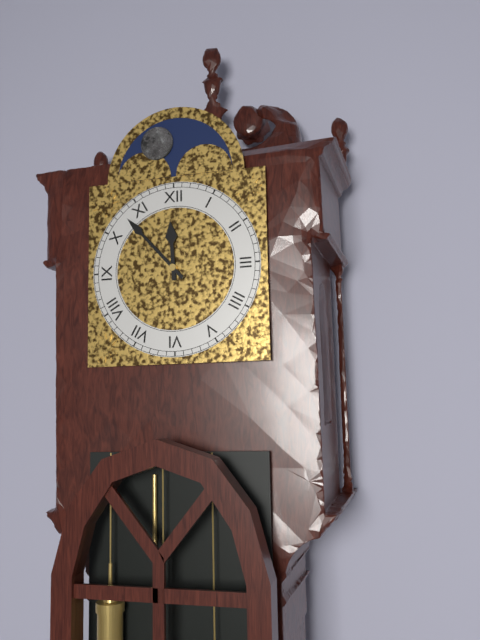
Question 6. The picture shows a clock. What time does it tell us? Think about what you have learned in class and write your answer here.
11:53
